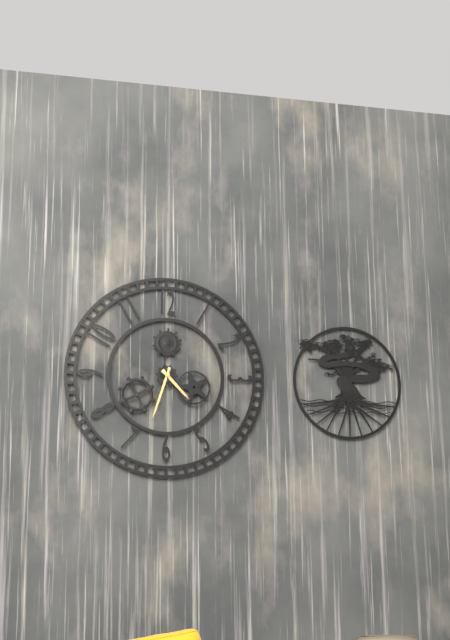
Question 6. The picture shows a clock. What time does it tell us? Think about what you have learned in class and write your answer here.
4:33:58
